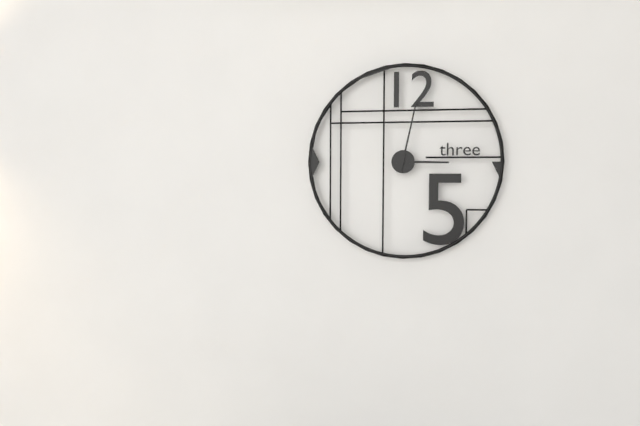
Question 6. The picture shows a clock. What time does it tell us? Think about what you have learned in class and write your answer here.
3:02
